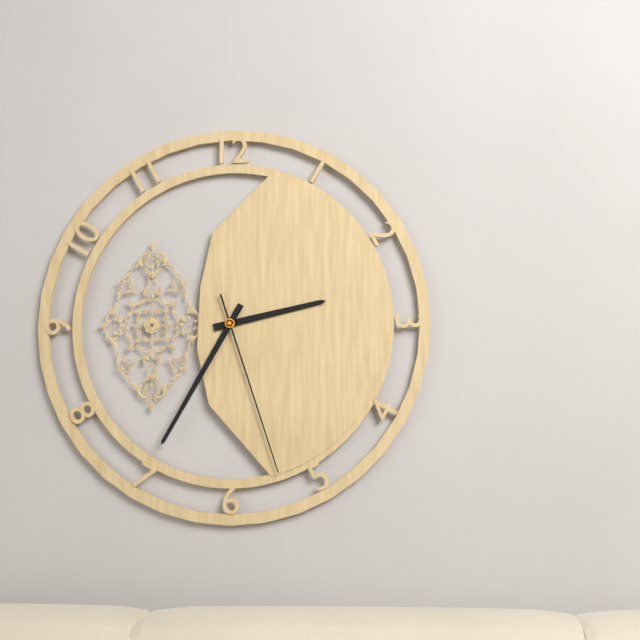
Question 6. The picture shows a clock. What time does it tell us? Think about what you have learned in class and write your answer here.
2:35:27
